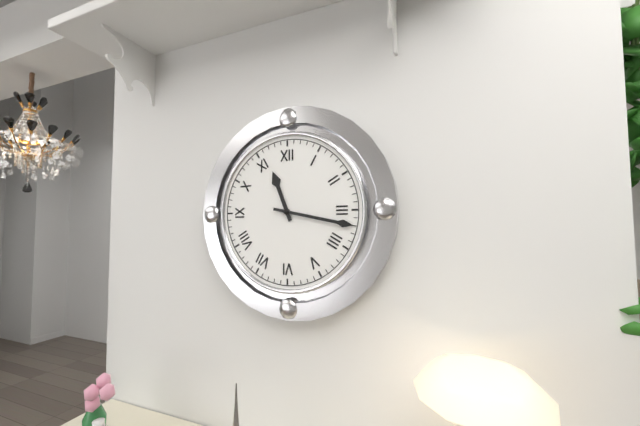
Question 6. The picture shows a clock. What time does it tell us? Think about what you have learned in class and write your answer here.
11:17
